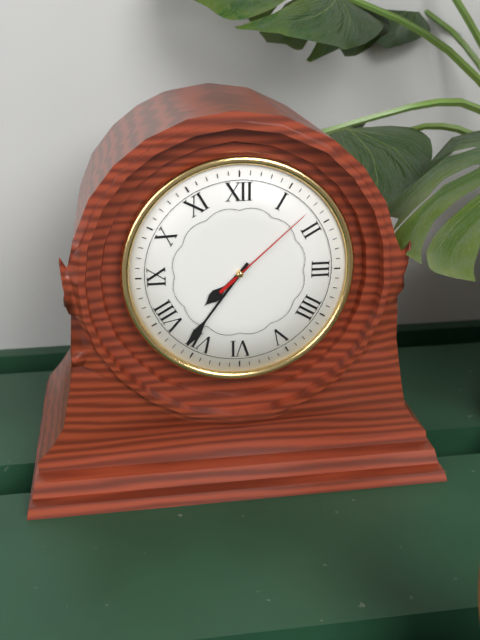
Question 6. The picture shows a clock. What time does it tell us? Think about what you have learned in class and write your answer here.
7:36:08
